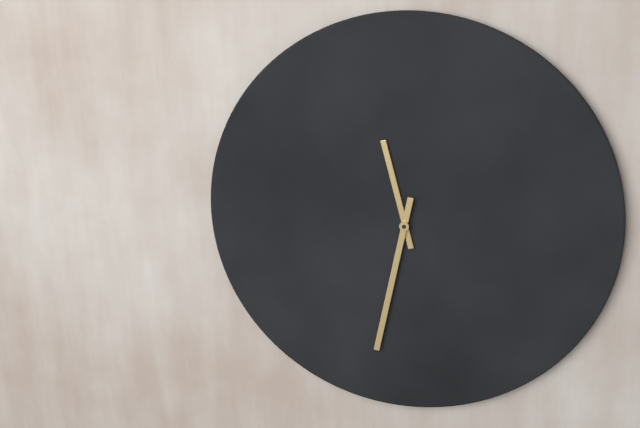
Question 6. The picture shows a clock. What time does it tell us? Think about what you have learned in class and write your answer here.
11:32
